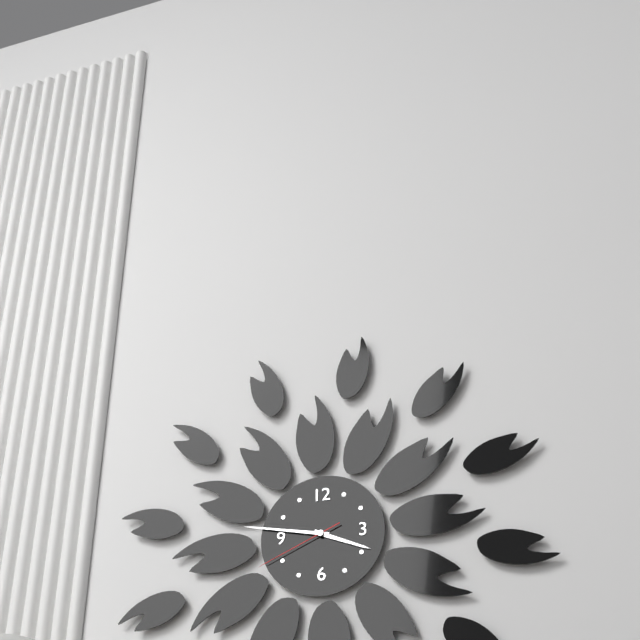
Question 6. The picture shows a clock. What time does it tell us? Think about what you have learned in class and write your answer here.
3:47:41
